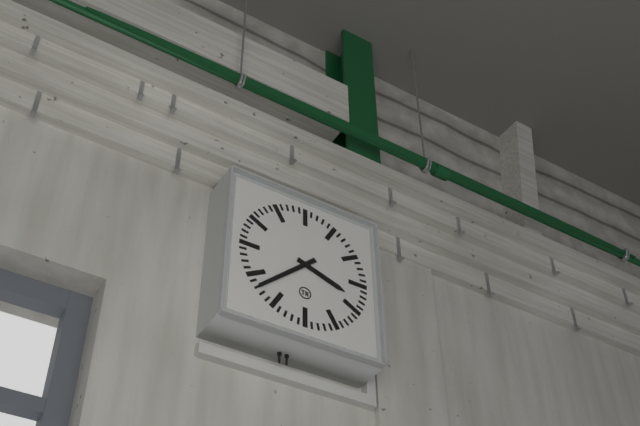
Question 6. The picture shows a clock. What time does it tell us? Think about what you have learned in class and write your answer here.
3:38
